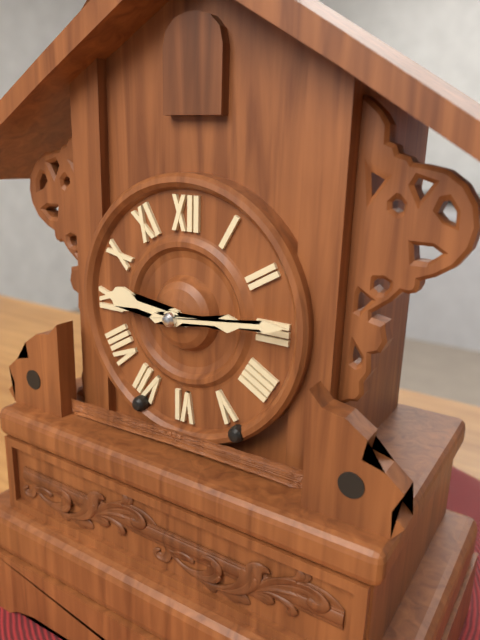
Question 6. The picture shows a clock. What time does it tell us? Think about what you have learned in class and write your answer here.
9:14
